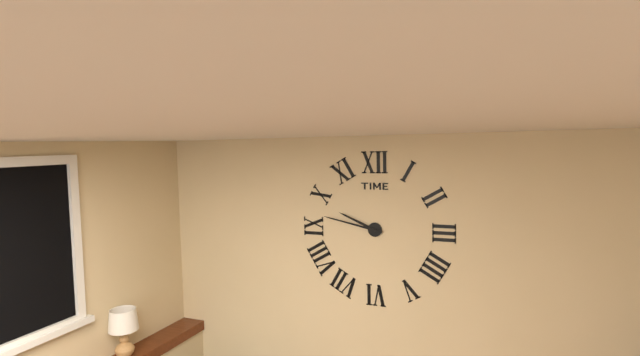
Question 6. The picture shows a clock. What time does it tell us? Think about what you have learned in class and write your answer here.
9:47
